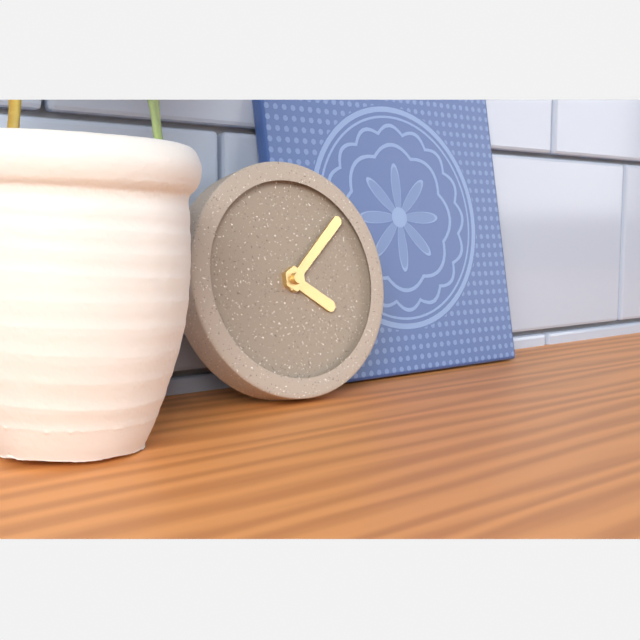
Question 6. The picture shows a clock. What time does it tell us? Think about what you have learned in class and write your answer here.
4:08
